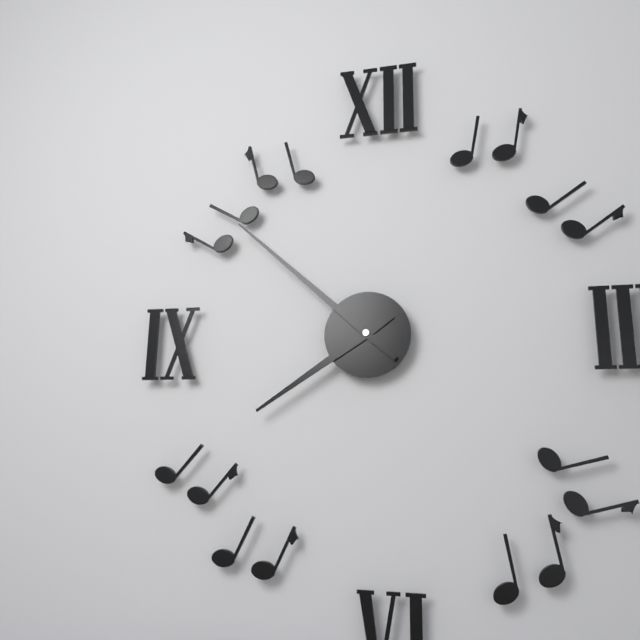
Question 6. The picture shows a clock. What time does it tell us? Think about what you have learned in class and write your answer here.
7:52
